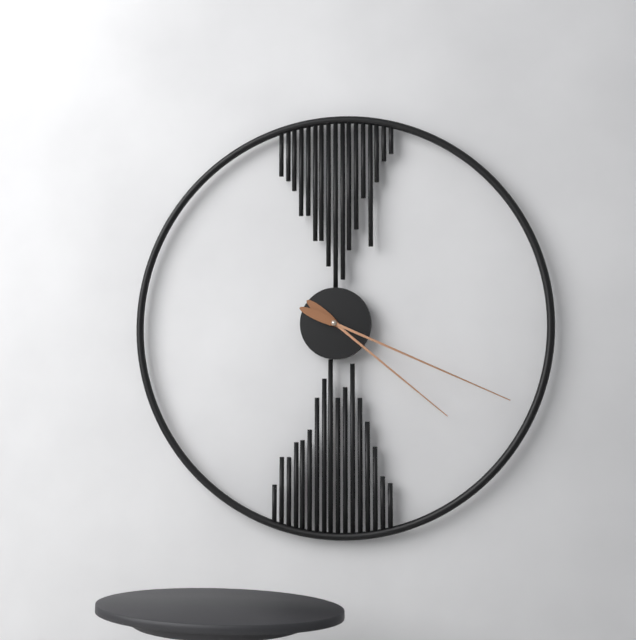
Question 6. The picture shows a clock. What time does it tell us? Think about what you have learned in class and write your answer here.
4:19
